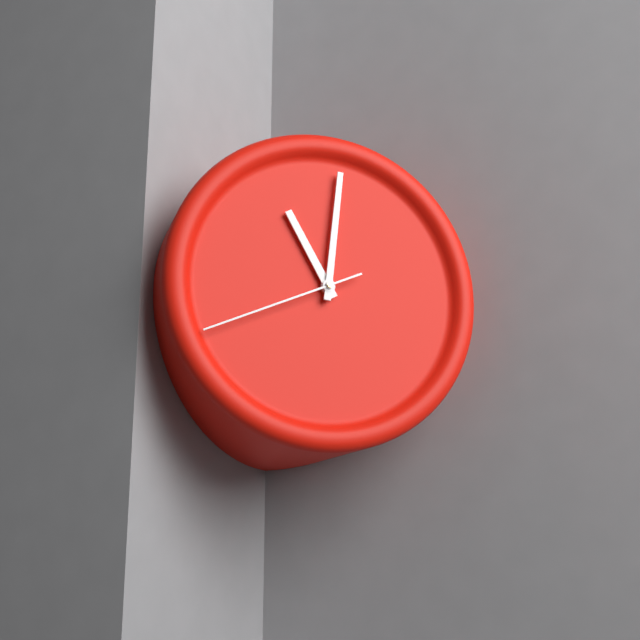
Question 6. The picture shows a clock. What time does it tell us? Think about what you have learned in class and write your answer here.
11:01:41
